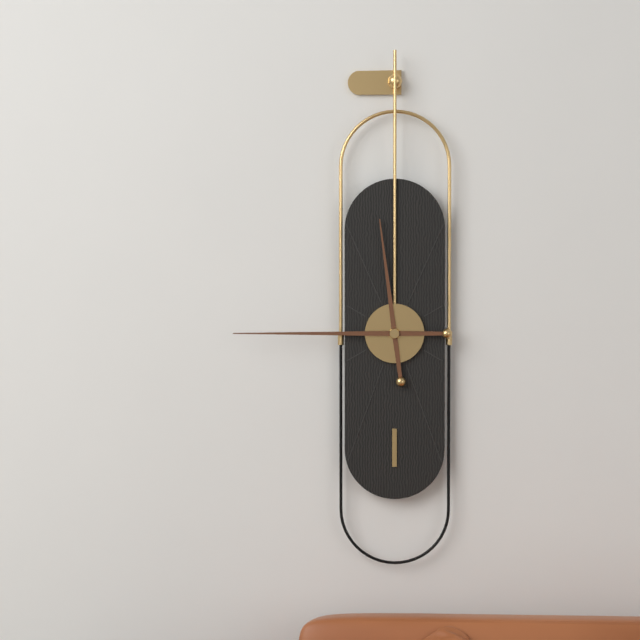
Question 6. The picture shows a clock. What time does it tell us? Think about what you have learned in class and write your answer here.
11:45
